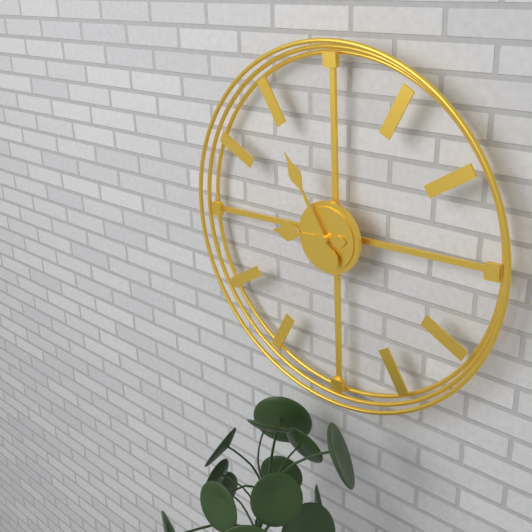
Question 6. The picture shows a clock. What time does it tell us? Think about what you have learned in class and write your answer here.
8:55
